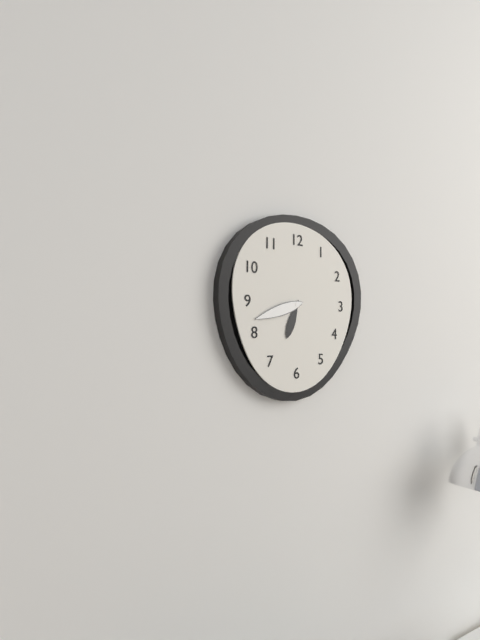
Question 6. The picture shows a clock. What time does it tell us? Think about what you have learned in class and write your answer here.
6:42
